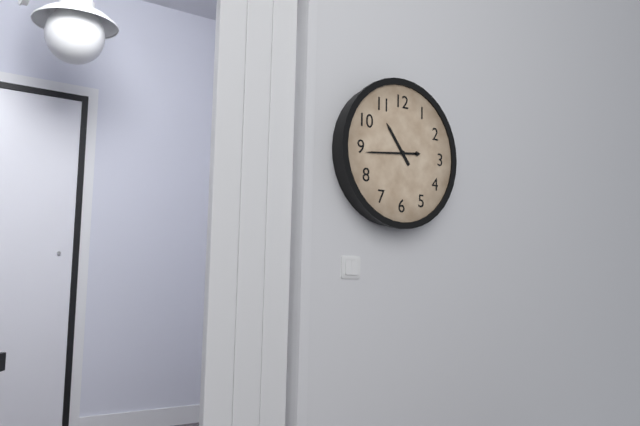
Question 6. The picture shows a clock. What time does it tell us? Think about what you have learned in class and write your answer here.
10:44
